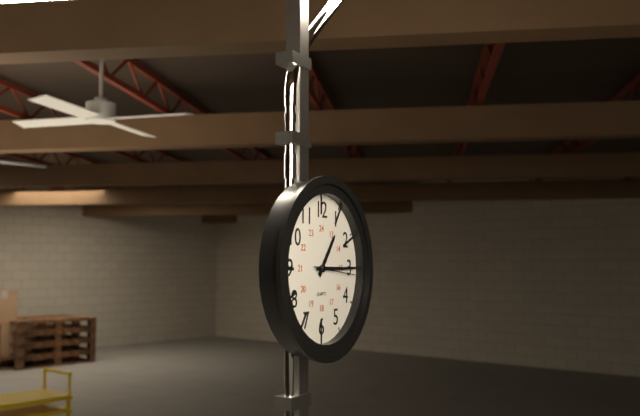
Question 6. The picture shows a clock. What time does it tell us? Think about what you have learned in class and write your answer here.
1:15
